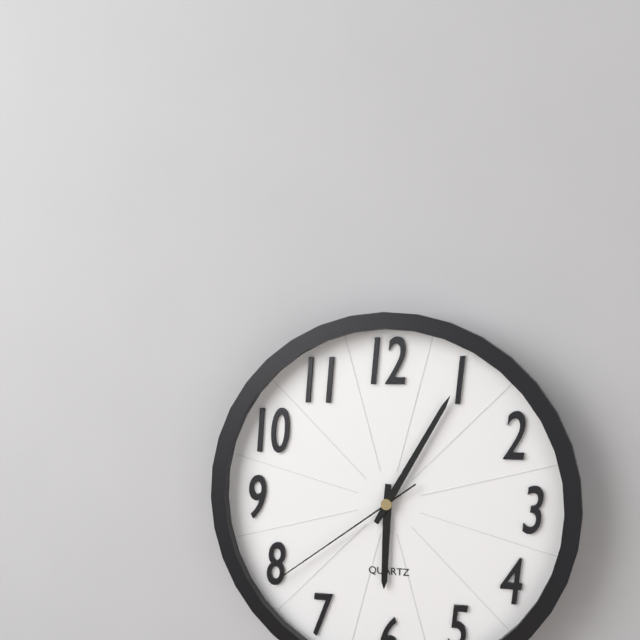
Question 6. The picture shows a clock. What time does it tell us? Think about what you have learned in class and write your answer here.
6:05:39
